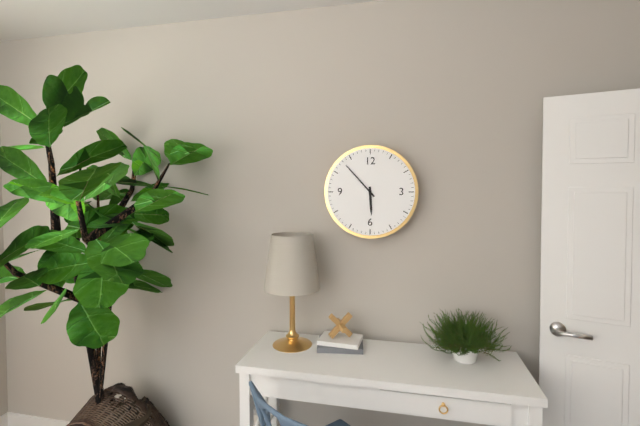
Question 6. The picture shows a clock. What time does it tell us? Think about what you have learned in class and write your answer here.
5:53
